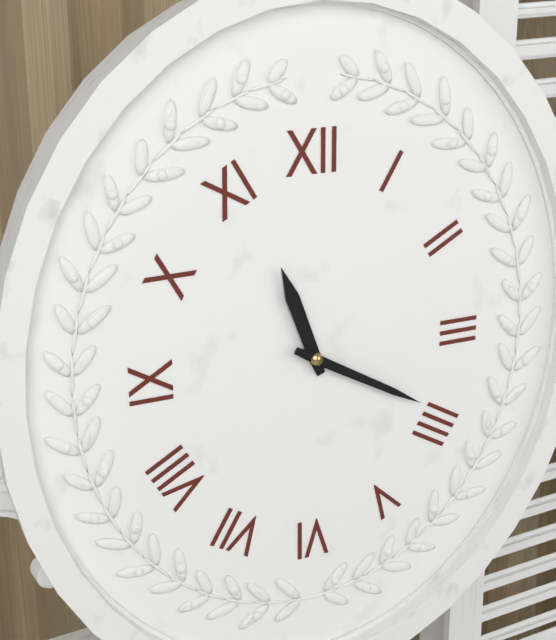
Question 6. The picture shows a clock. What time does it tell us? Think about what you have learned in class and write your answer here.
11:20
